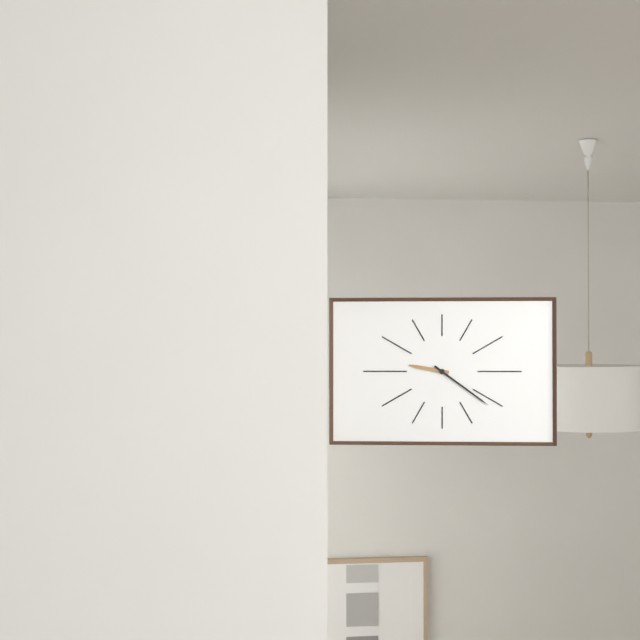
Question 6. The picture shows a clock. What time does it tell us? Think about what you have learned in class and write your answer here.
9:21
